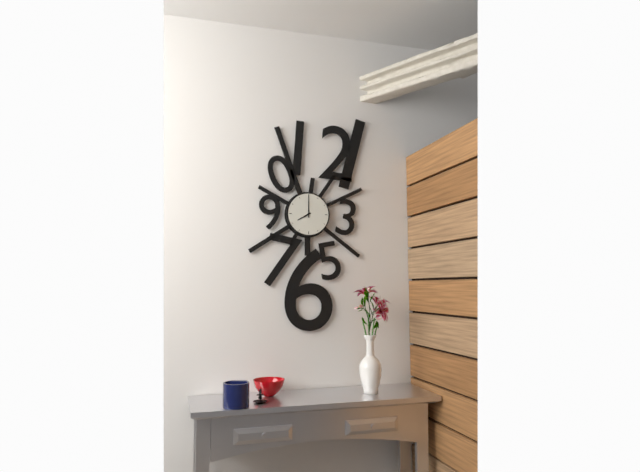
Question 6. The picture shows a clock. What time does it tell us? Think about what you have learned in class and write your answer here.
8:00
